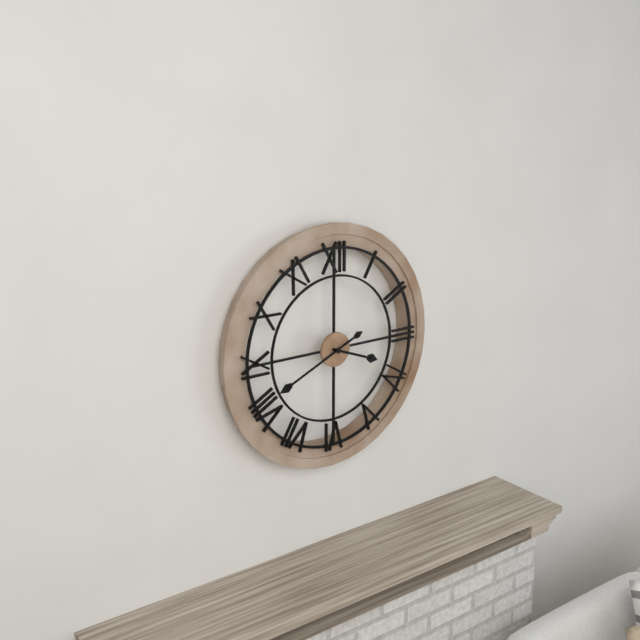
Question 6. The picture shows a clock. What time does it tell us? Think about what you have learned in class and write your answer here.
3:41
